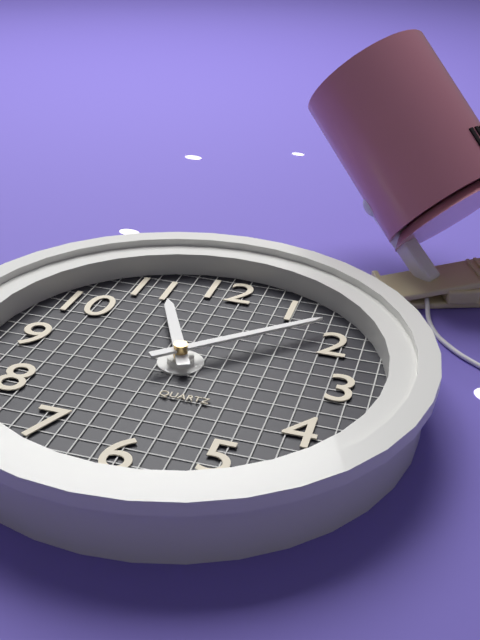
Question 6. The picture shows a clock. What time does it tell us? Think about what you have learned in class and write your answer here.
11:08
